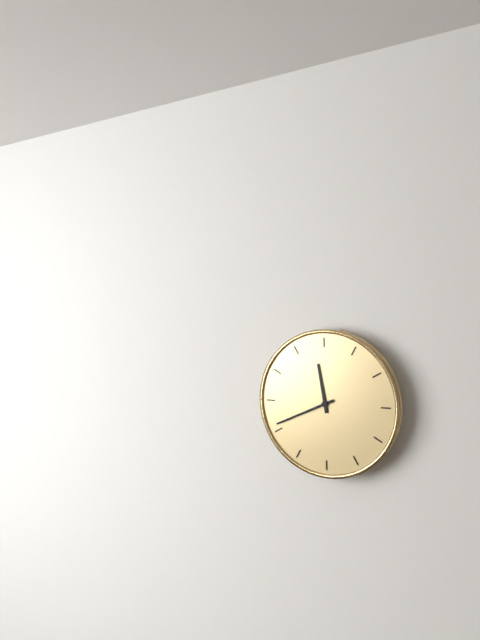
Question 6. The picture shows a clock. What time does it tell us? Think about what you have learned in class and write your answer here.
11:41
